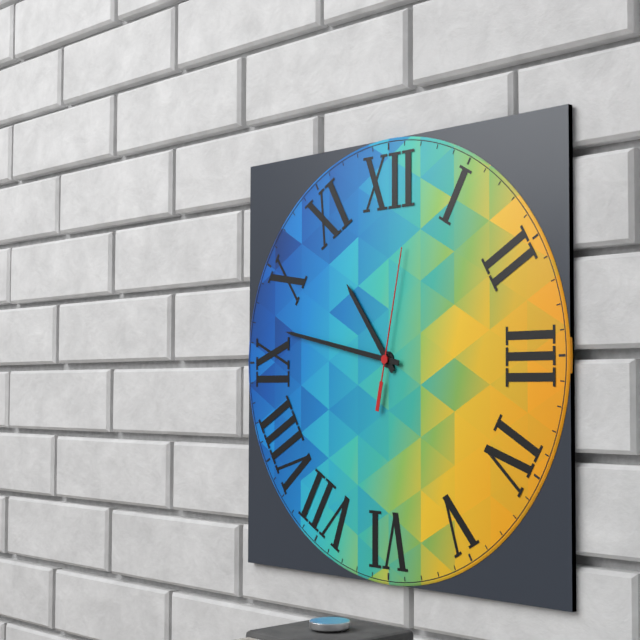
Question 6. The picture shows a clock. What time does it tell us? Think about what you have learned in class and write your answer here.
10:47:02
